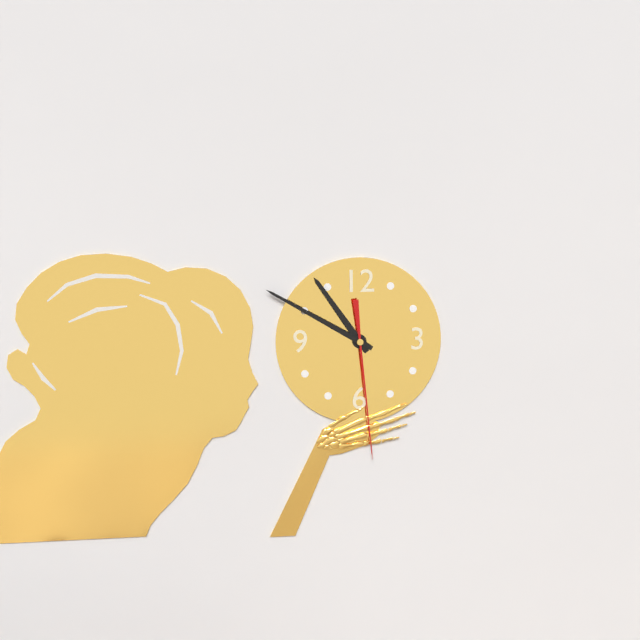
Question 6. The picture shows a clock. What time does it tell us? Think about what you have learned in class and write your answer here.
10:50:29
